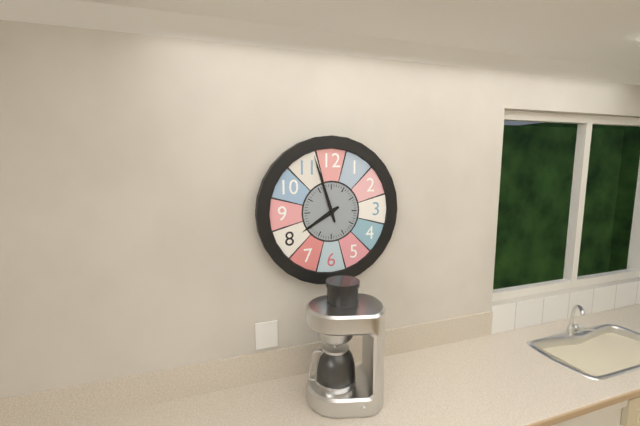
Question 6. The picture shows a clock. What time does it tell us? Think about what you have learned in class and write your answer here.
7:57
